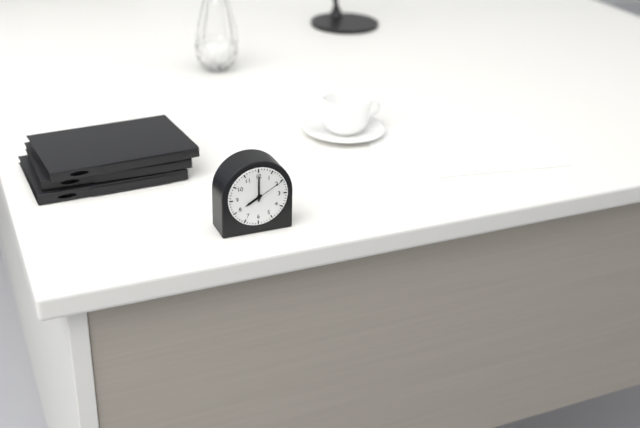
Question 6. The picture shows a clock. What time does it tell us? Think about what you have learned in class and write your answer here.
8:00
